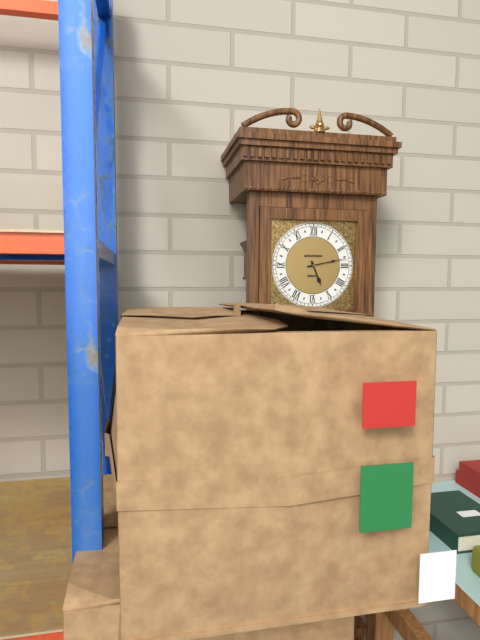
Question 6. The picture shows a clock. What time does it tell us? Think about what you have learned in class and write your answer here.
5:13
